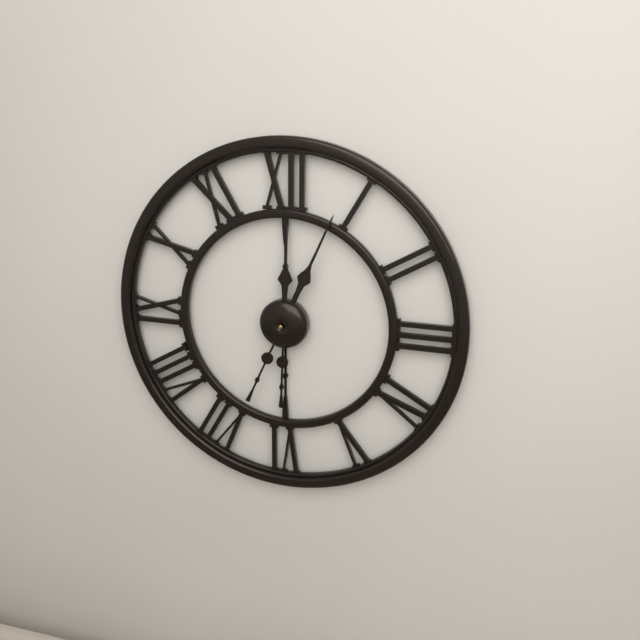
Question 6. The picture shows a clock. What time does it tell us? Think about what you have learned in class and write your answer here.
12:04
